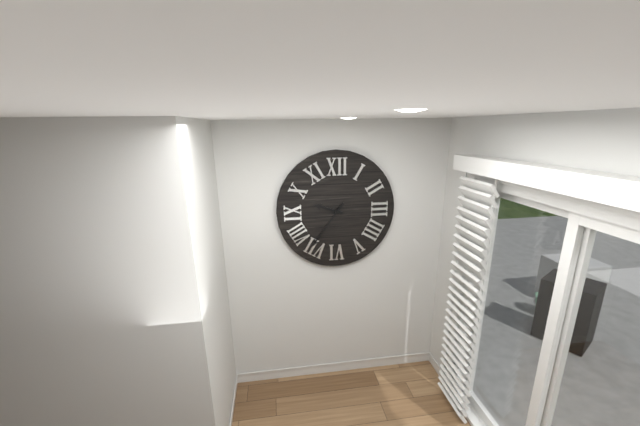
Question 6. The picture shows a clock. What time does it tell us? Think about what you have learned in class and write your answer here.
9:36
